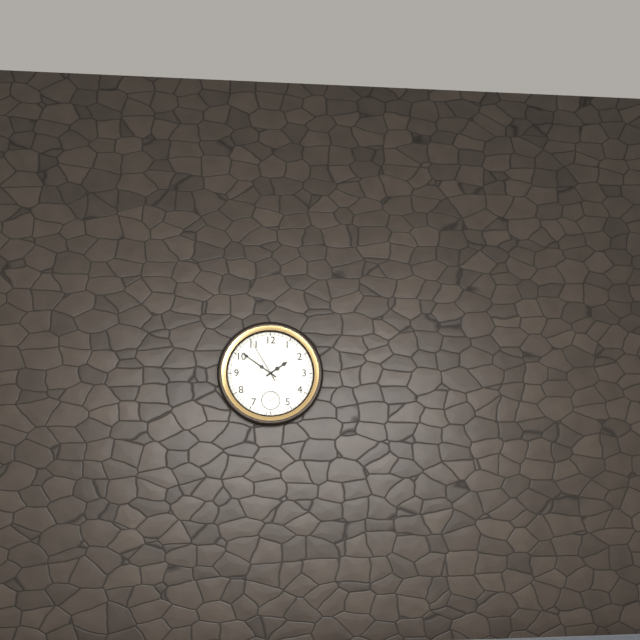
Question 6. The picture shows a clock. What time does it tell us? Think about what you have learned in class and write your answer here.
1:51
